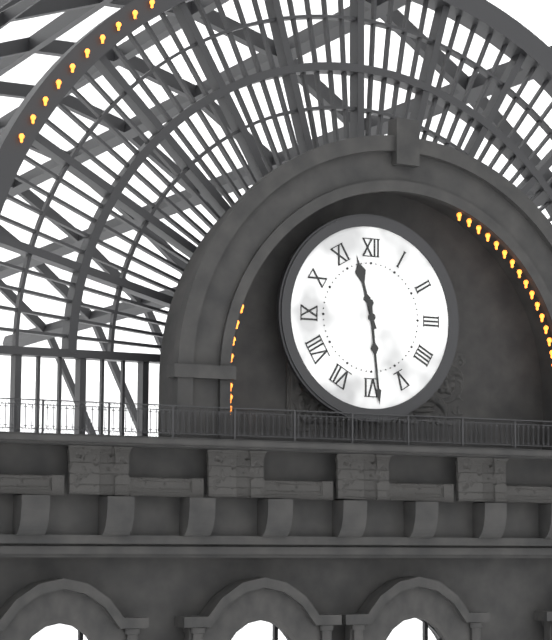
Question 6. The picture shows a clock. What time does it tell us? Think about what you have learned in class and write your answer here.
11:29
